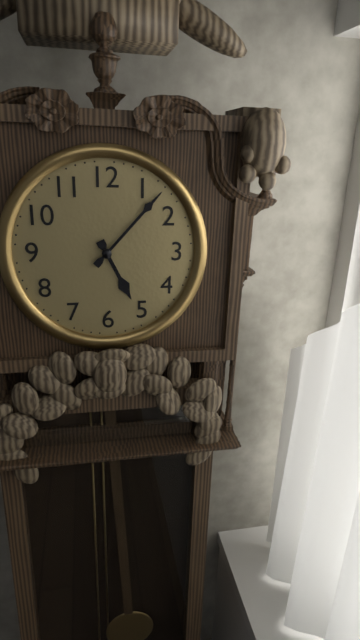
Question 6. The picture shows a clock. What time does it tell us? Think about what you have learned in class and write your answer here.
5:07
